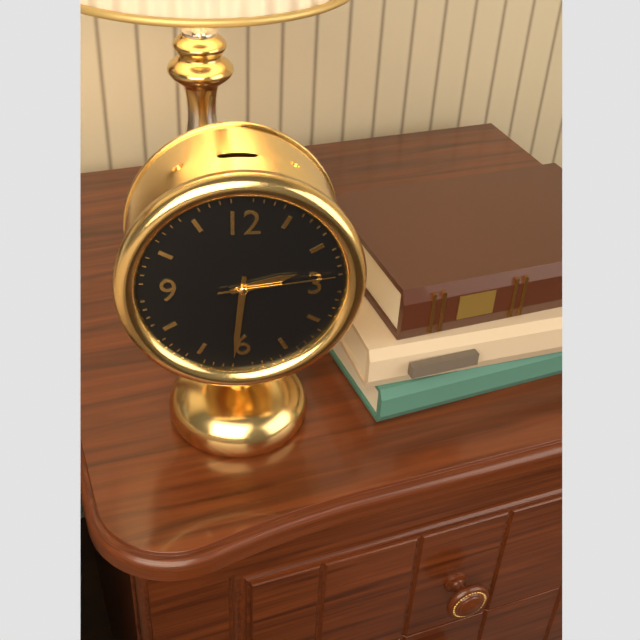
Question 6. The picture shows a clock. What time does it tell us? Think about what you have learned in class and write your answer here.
2:31:14
